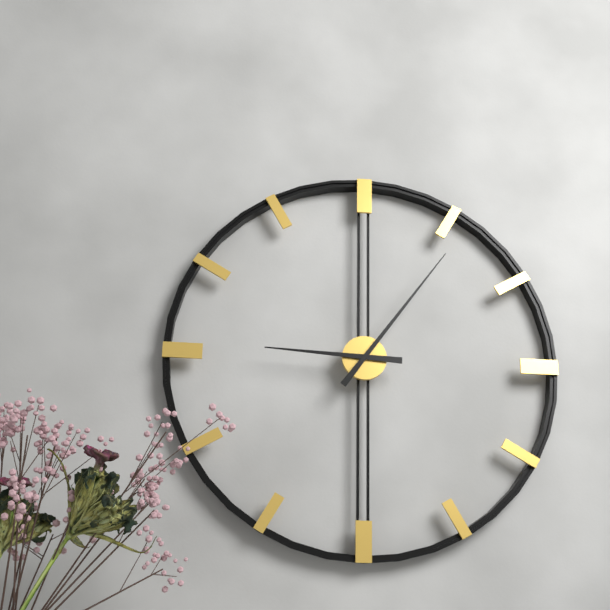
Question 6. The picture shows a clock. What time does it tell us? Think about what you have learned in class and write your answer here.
9:06
